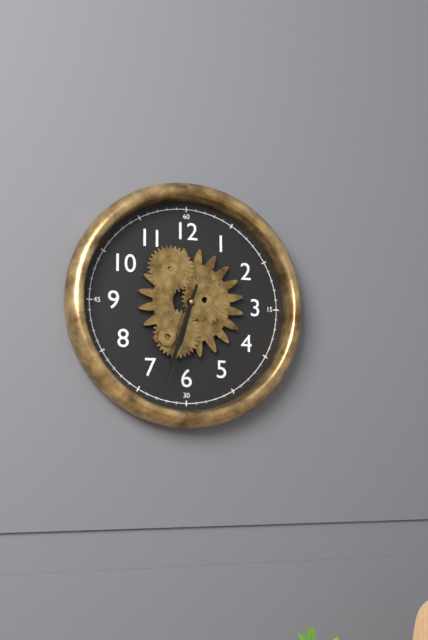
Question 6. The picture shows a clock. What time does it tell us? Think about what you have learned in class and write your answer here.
6:33
